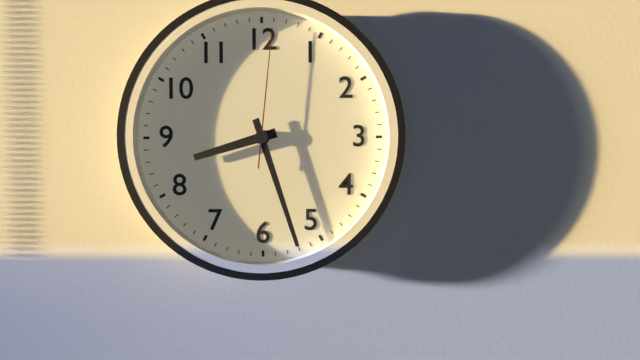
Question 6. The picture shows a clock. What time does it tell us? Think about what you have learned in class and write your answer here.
8:27:01
